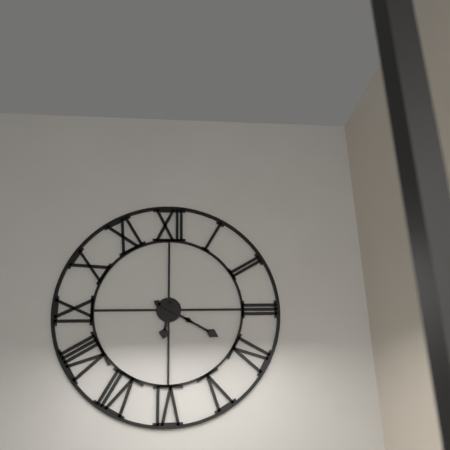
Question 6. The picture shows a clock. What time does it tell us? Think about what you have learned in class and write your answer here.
6:20
